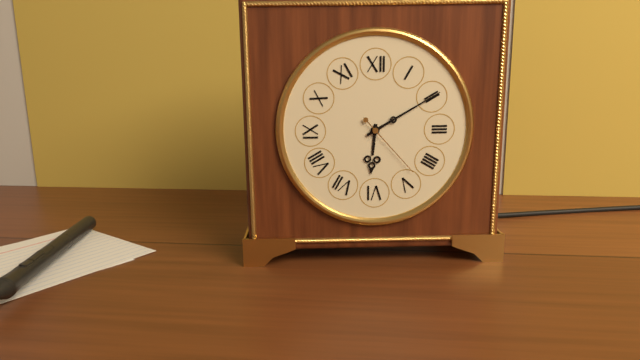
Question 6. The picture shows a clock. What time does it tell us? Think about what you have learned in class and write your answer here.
6:10:23
